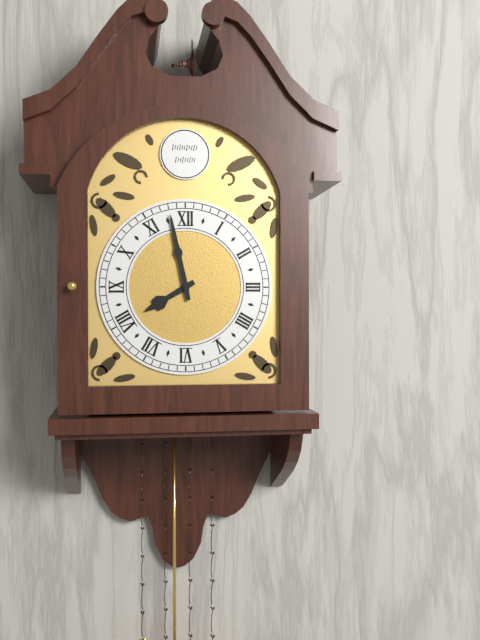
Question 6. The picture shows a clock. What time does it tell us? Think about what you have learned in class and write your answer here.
7:58
